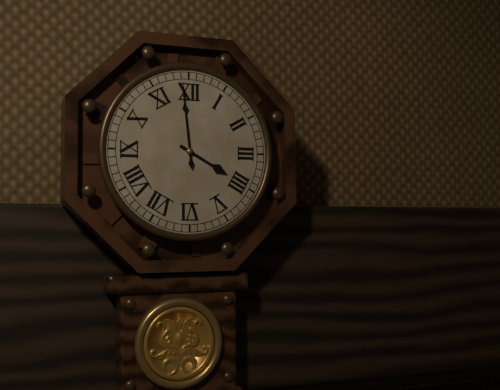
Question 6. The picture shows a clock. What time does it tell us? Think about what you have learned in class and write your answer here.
3:59
